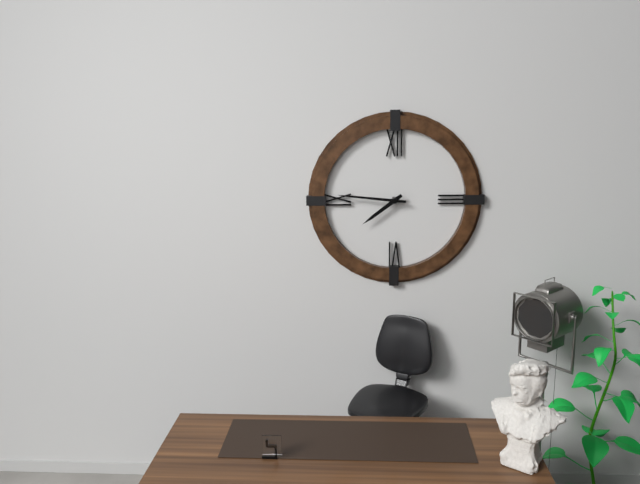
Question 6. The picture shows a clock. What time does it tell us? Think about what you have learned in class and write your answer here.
7:46
